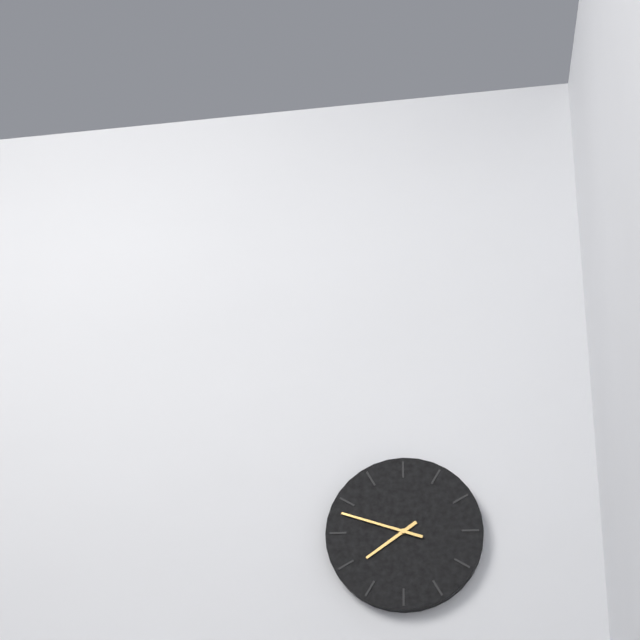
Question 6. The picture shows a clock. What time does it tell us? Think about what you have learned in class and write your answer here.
7:48
